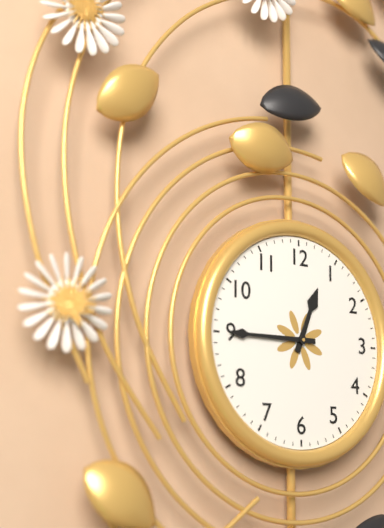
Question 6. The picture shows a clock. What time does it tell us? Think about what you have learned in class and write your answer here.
12:45
